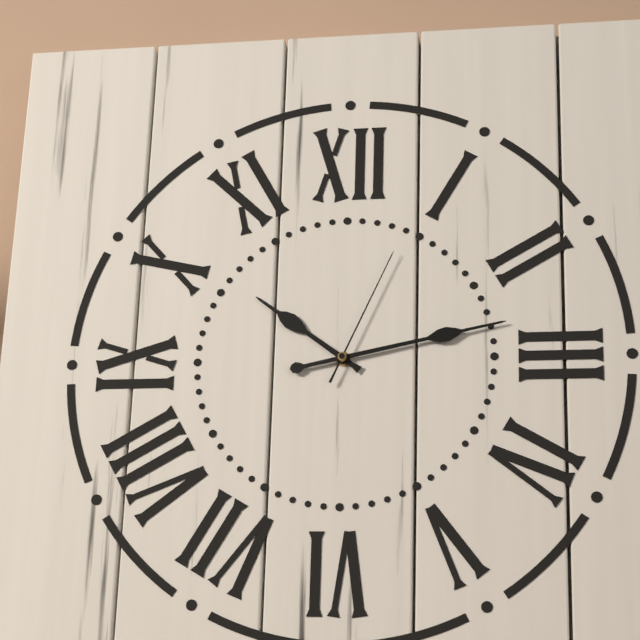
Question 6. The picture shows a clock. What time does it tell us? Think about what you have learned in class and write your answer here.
10:13:04
